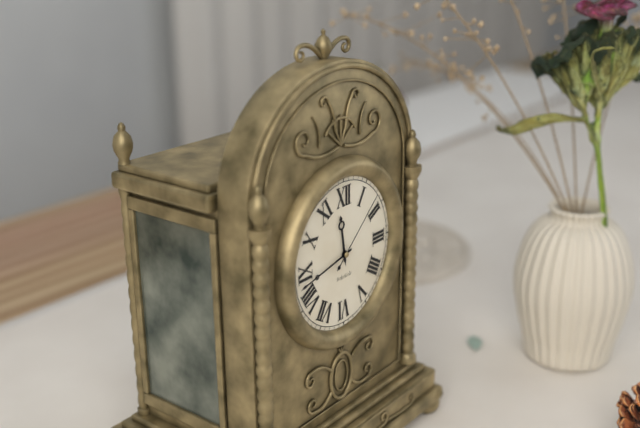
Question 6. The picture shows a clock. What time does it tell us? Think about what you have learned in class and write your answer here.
11:43:08
